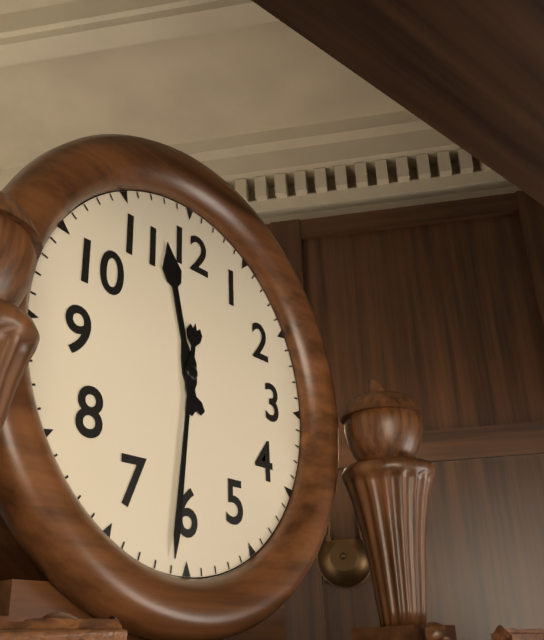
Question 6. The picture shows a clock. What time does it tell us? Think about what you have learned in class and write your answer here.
11:31
